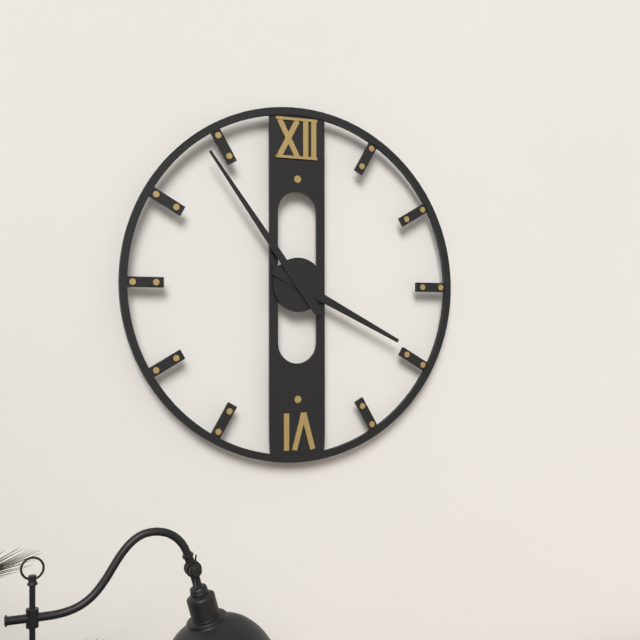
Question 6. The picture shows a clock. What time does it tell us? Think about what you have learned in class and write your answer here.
3:54
